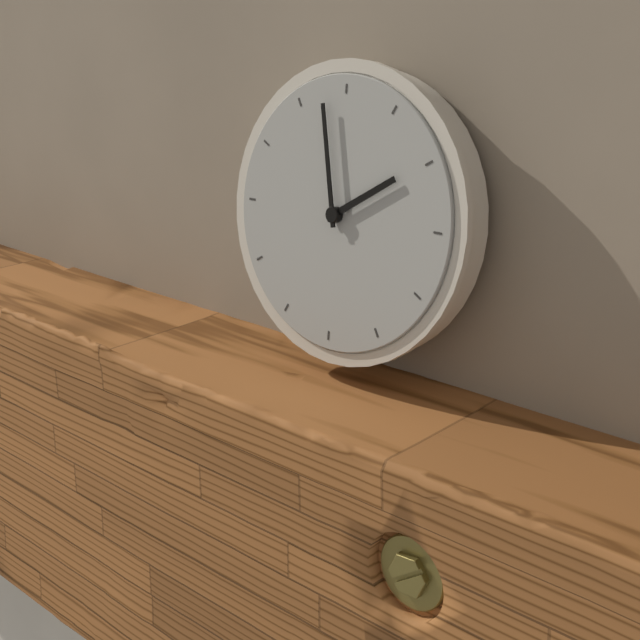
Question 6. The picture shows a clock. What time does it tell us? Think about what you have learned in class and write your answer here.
1:58
